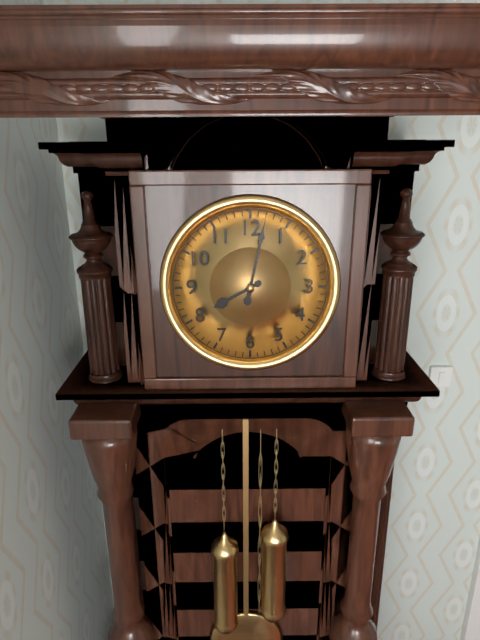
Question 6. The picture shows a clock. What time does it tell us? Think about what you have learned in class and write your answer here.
8:02
